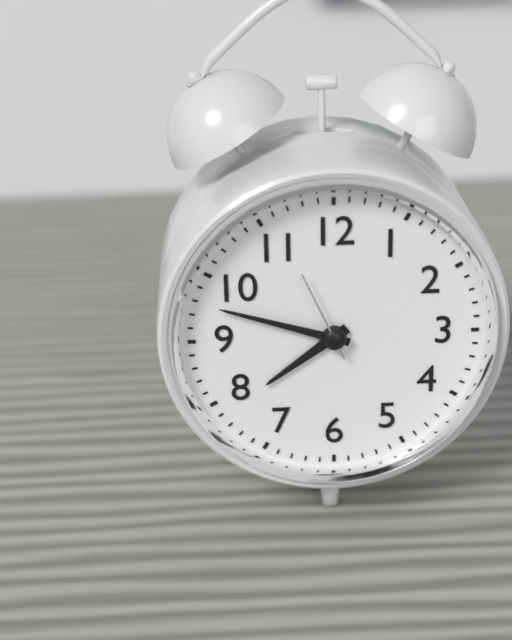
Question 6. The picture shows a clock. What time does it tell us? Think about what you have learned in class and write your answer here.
7:48:56
